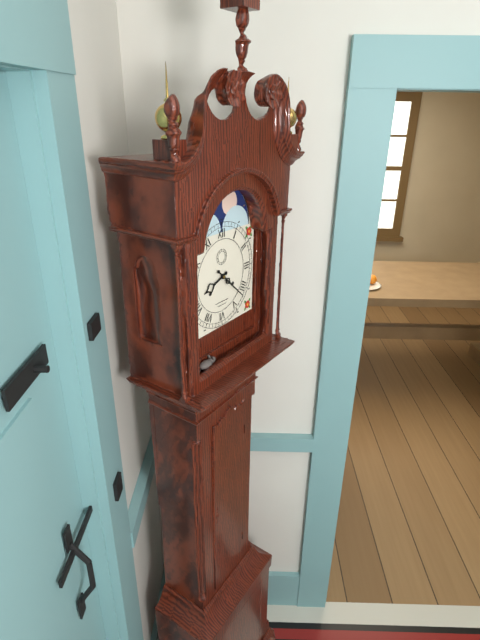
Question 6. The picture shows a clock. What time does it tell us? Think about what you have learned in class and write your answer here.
8:22
